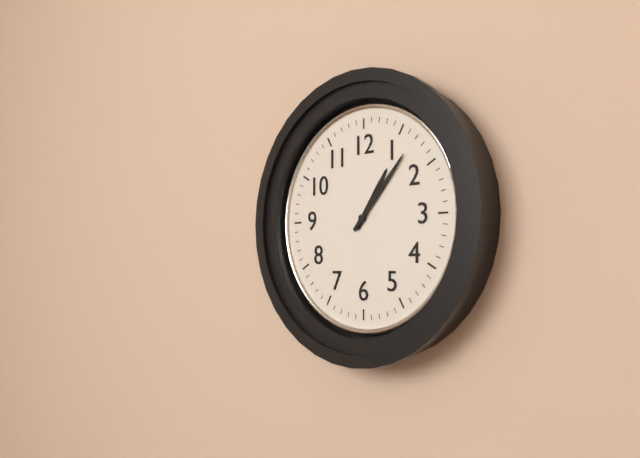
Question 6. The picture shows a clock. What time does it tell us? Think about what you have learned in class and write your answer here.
1:07
